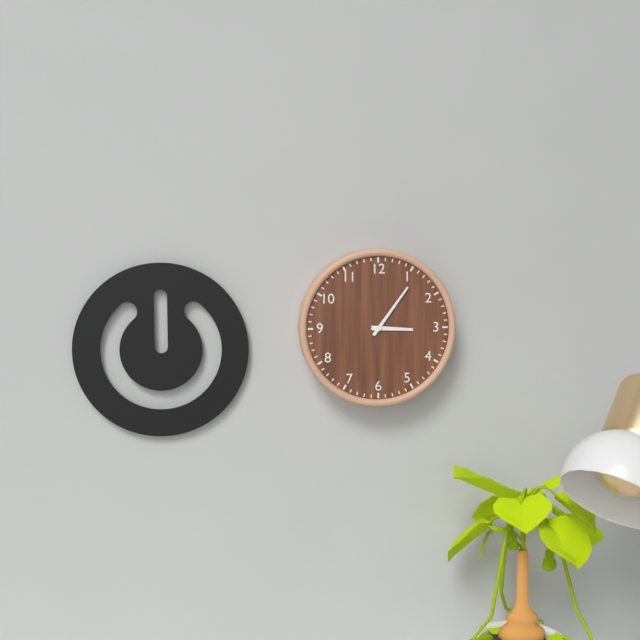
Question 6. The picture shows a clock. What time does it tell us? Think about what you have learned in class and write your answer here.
3:06
